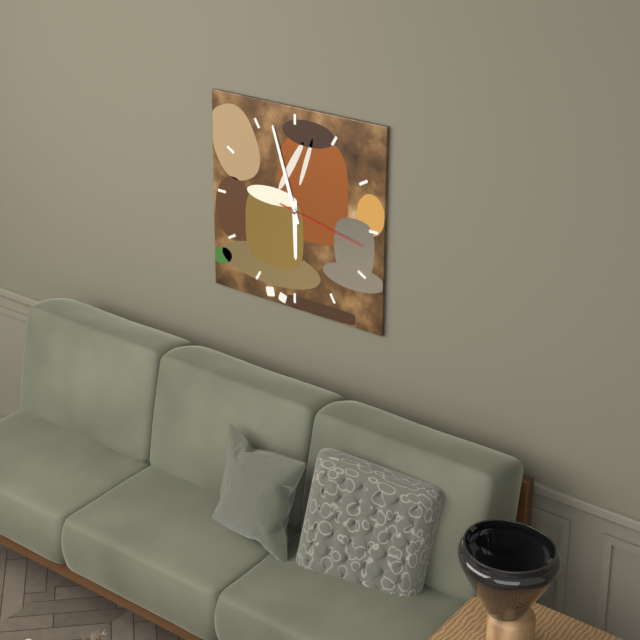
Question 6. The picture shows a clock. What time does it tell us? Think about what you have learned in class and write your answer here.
5:57:17
